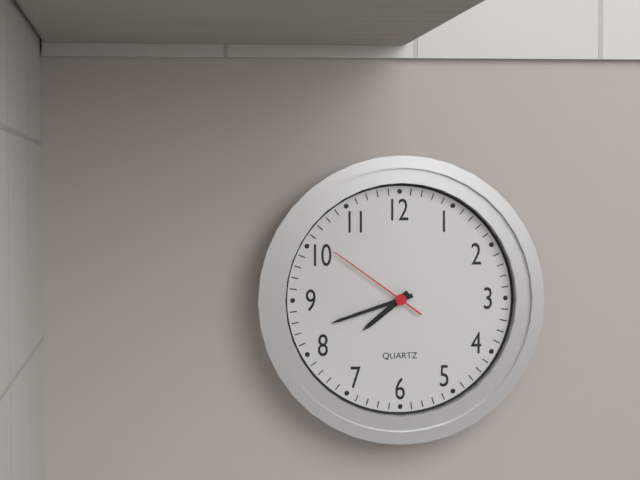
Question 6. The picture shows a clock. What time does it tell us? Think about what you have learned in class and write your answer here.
7:42:51
